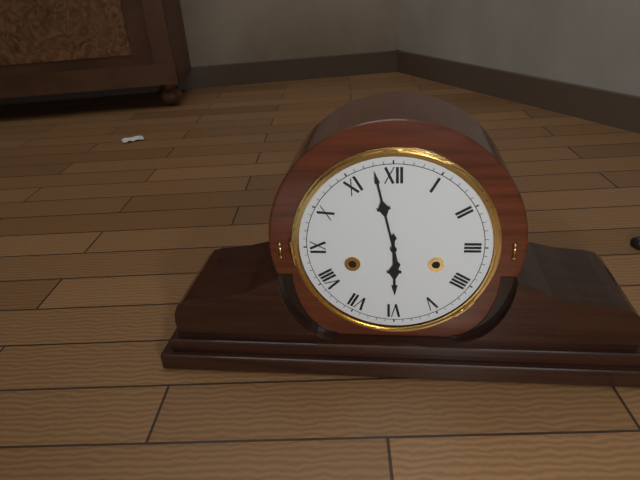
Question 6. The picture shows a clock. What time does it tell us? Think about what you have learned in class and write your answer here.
5:58
